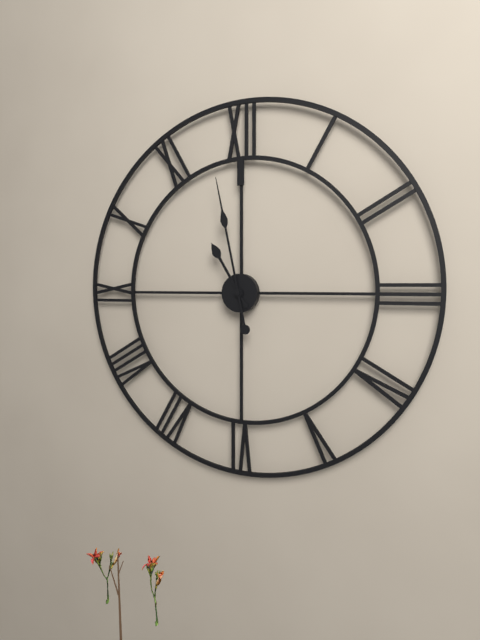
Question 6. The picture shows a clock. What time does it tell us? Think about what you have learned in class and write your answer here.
10:58
